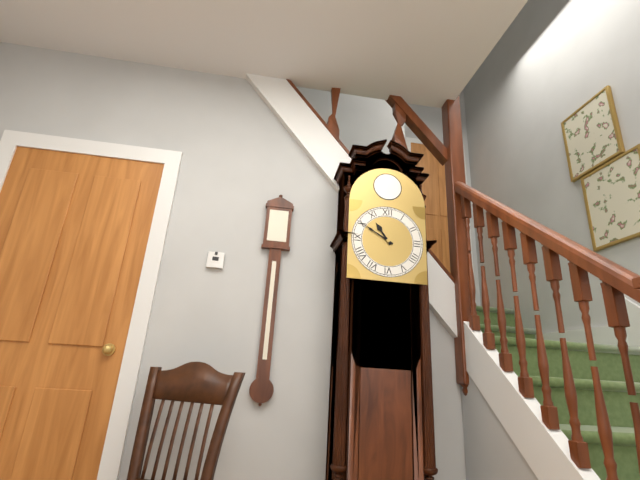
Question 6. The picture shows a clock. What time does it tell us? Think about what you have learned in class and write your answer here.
10:50
